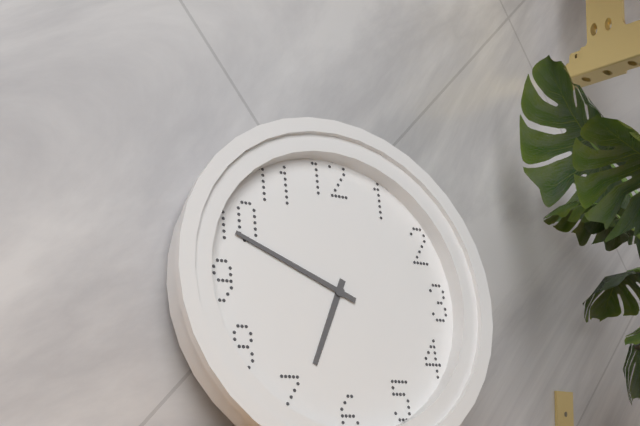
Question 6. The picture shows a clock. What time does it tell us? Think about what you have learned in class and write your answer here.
6:49
